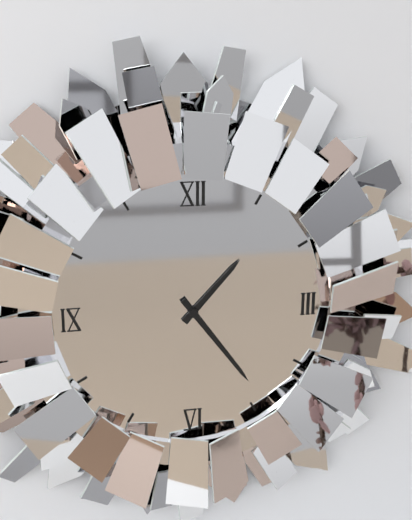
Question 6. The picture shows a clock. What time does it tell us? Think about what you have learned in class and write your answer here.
1:24
